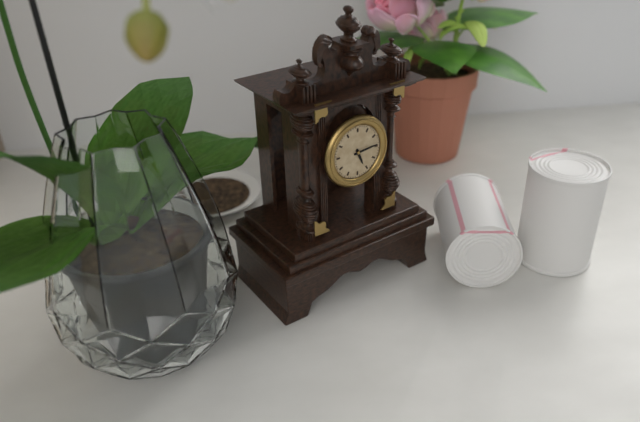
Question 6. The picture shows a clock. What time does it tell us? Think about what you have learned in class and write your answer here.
5:14
